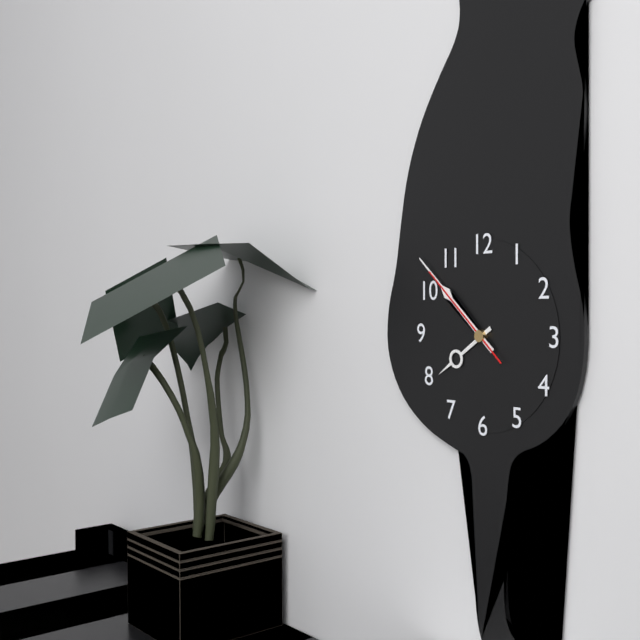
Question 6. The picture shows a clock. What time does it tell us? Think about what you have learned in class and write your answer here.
7:52:52
